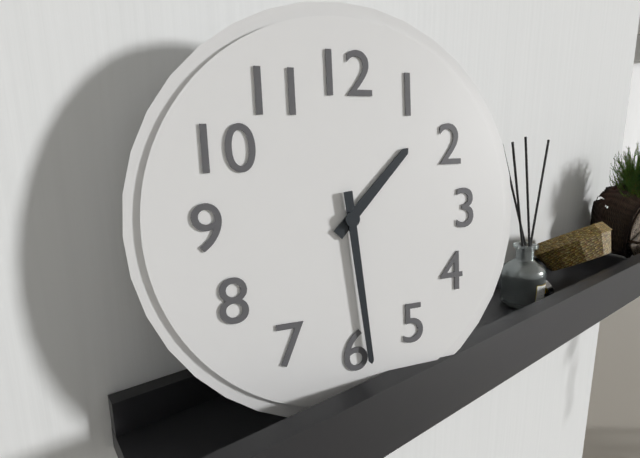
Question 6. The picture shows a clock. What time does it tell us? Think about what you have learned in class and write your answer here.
1:29
